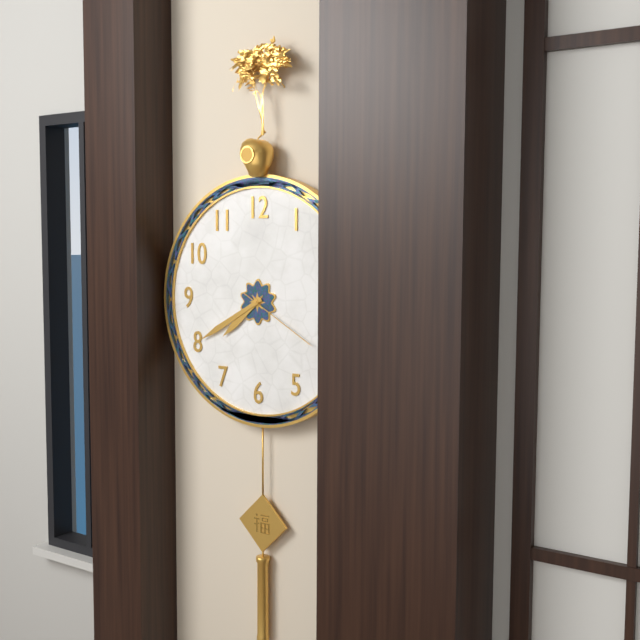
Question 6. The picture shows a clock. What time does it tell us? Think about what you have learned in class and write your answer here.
7:40:20
